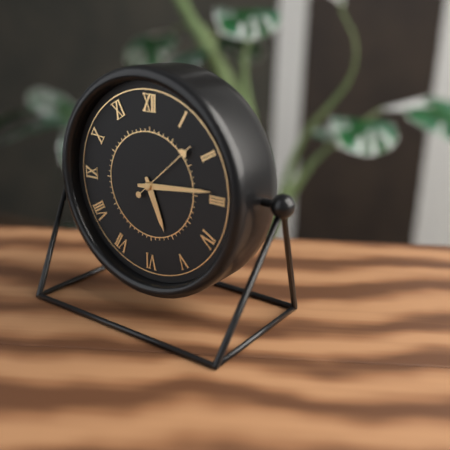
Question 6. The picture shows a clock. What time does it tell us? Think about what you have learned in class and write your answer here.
5:14:08
